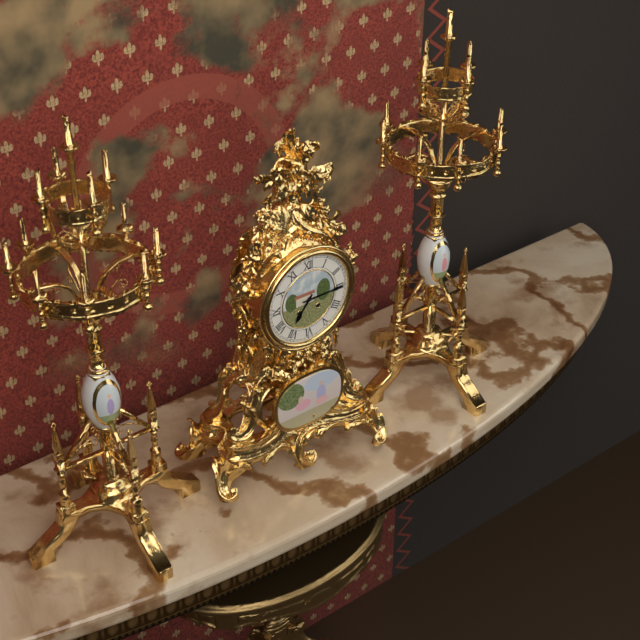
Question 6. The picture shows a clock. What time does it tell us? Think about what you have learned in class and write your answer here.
7:15
